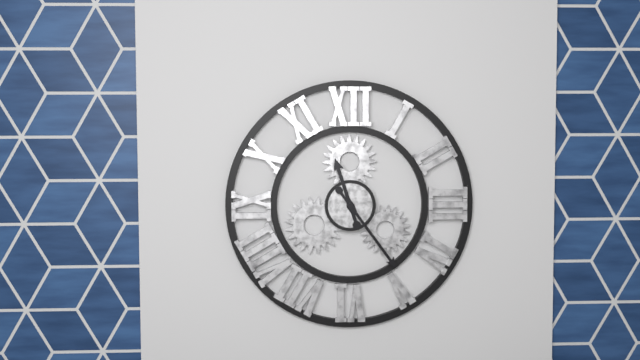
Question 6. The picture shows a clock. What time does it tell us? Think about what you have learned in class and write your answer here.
11:24
